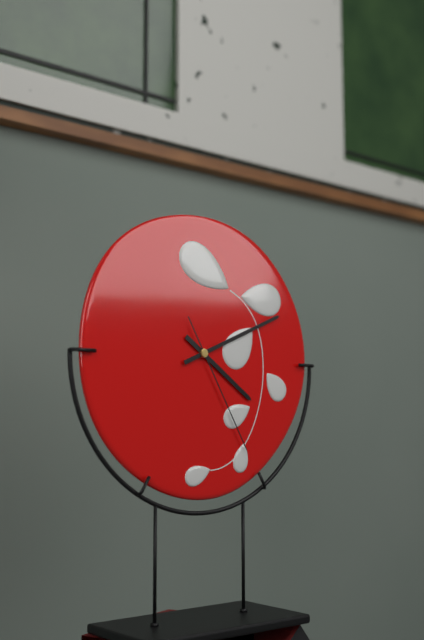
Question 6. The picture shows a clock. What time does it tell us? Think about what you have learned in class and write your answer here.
4:11:25
